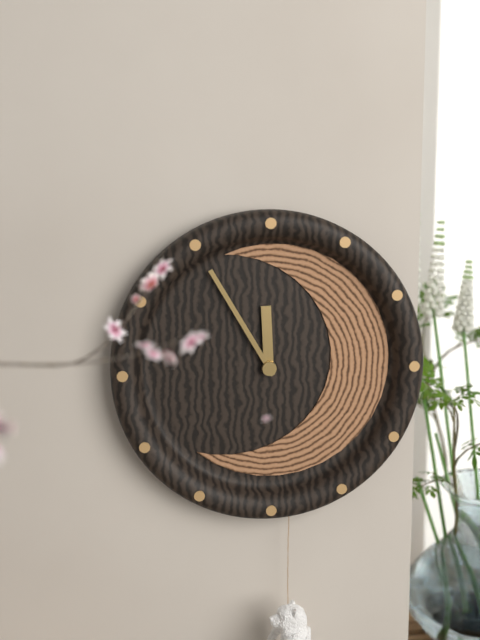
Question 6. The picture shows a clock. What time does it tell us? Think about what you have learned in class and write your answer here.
11:55
